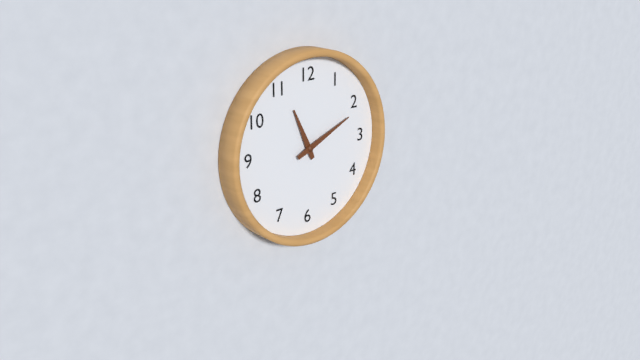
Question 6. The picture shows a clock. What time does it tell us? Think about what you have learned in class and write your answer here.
11:11
